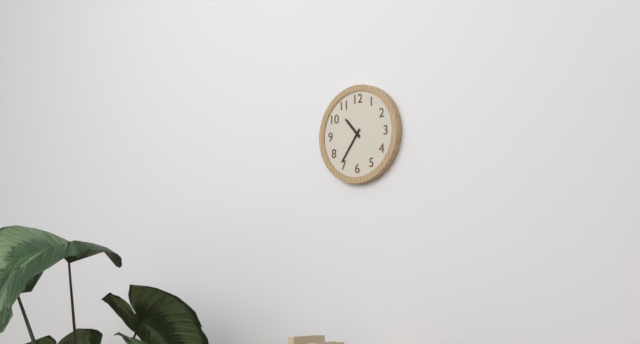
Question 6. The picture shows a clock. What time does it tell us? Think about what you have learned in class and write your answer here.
10:36
